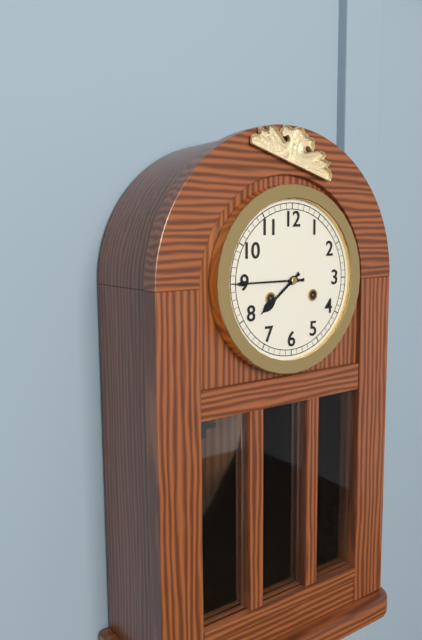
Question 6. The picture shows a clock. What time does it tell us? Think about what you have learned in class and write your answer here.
7:45
